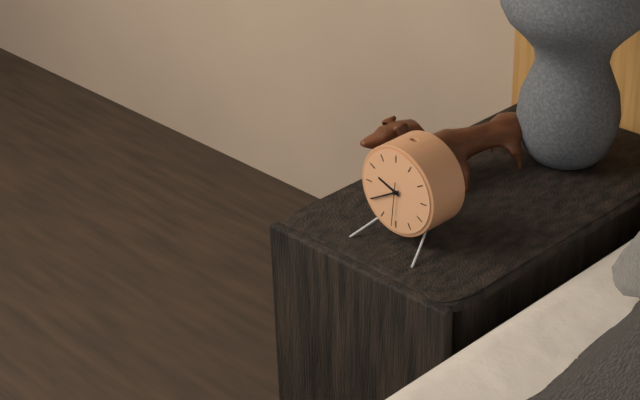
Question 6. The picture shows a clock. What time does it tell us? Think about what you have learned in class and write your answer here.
9:40
